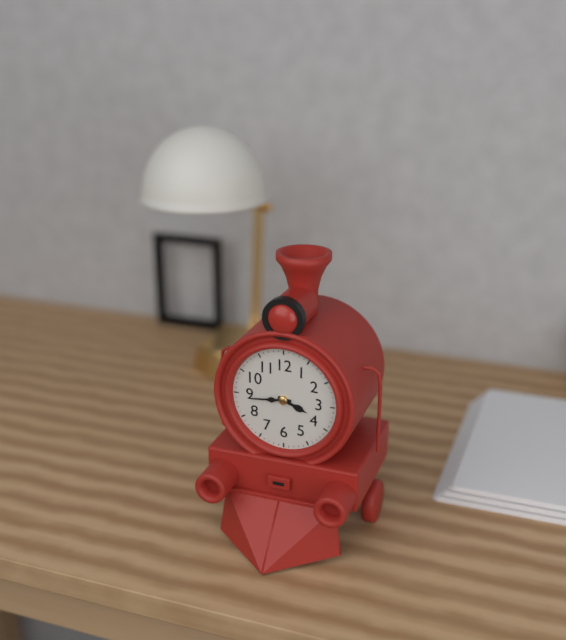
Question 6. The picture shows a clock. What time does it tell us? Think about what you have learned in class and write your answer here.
3:44
